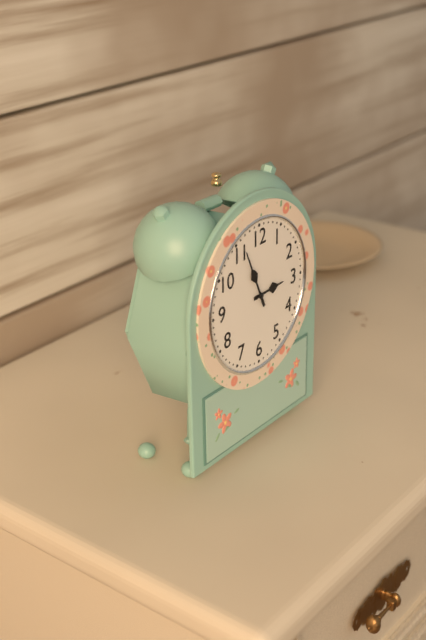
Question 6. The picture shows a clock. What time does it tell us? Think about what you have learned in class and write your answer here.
2:56
